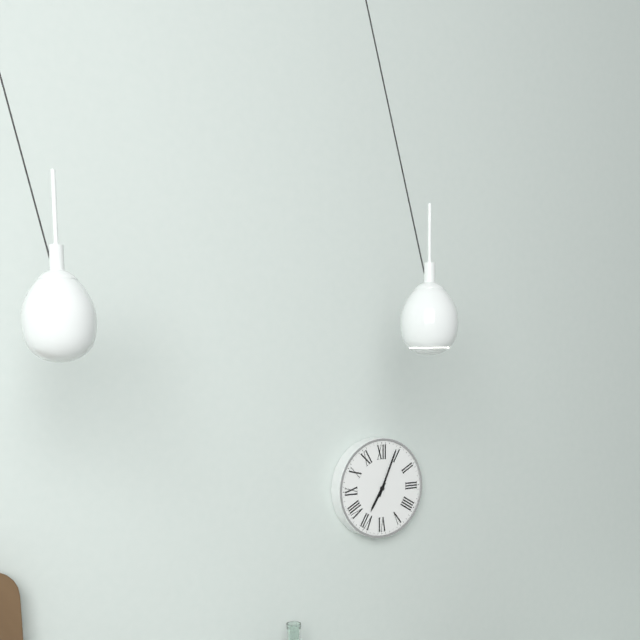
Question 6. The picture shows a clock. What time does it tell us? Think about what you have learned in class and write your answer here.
7:04
